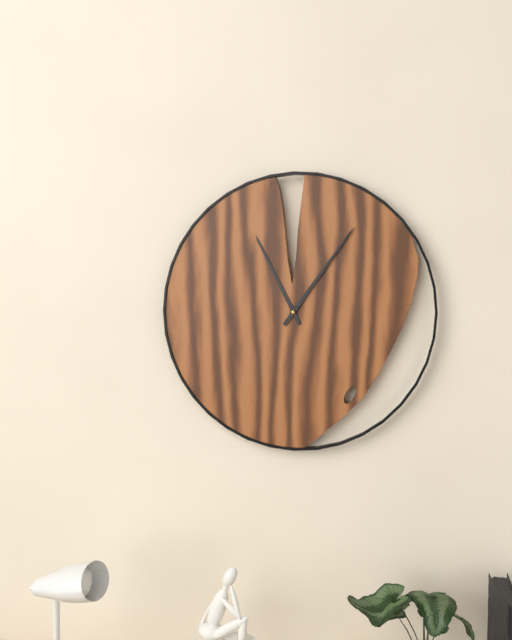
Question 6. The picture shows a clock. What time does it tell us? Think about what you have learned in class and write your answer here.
11:06
